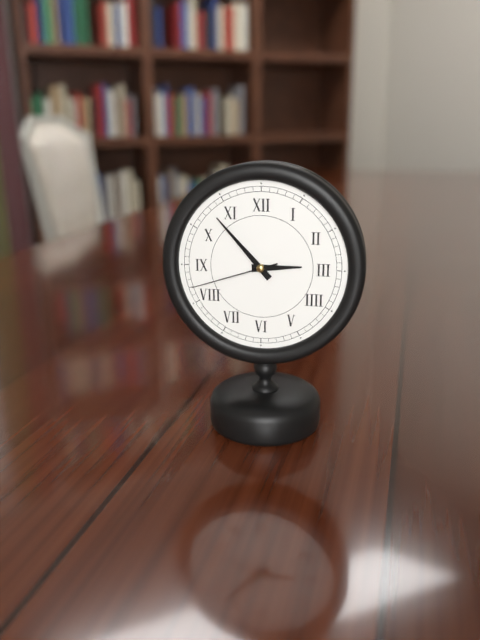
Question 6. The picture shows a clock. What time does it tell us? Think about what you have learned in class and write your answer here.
2:53:42
